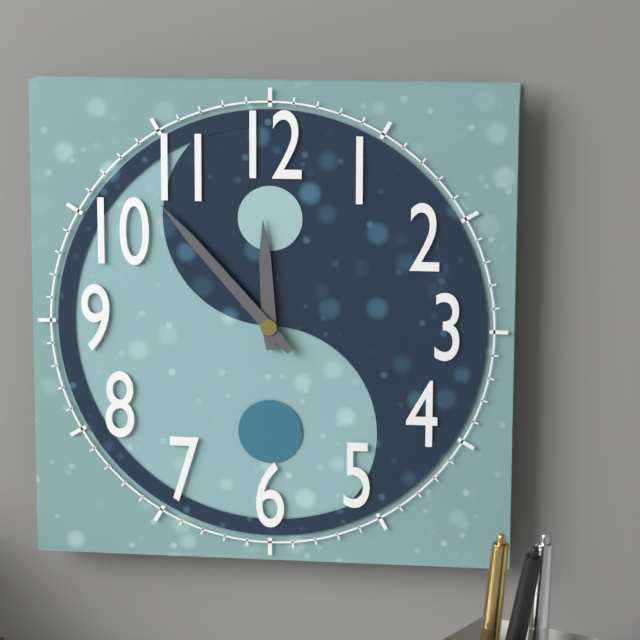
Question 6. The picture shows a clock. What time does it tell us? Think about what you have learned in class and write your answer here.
11:53
